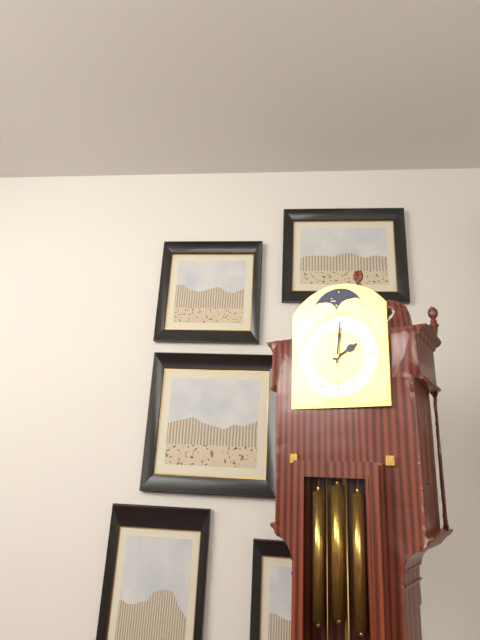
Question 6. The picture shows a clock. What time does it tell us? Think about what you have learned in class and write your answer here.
2:01
